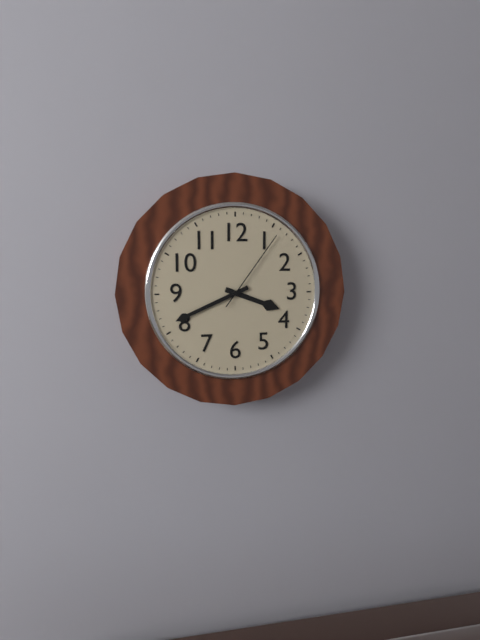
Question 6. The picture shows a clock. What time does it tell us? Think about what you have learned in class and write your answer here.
3:41:06
